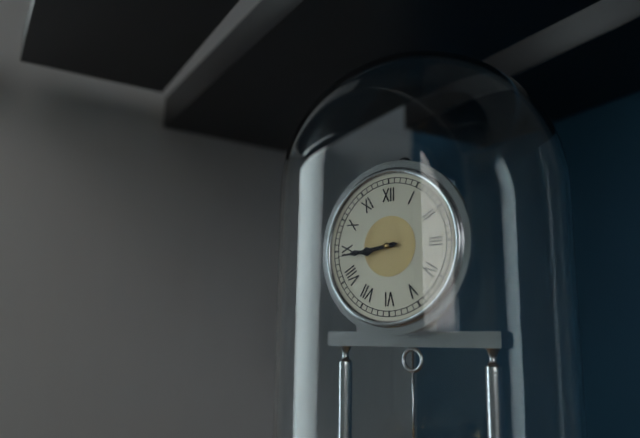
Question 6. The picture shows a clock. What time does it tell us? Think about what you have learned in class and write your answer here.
8:44
